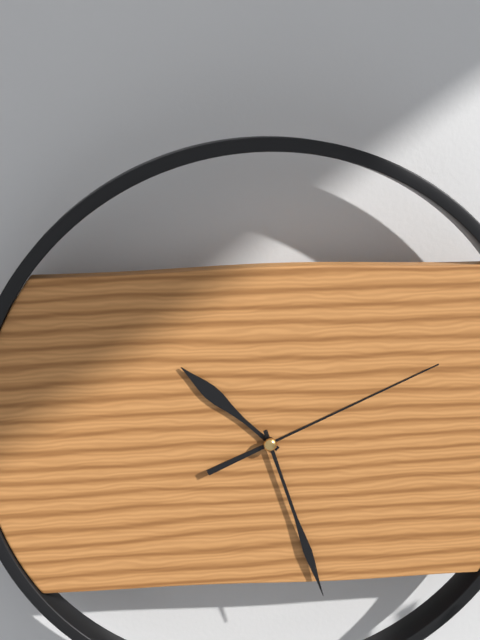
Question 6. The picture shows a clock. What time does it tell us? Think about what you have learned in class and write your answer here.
10:27:11
